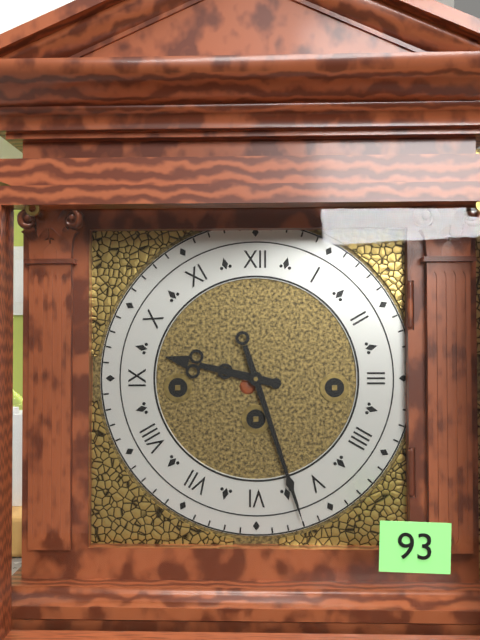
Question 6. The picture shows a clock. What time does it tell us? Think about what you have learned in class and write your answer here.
9:27
